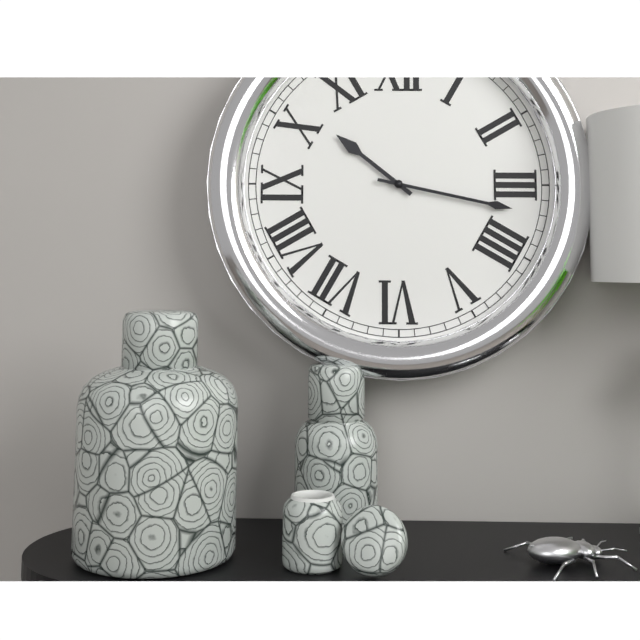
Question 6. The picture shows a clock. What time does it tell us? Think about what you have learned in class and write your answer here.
10:17
